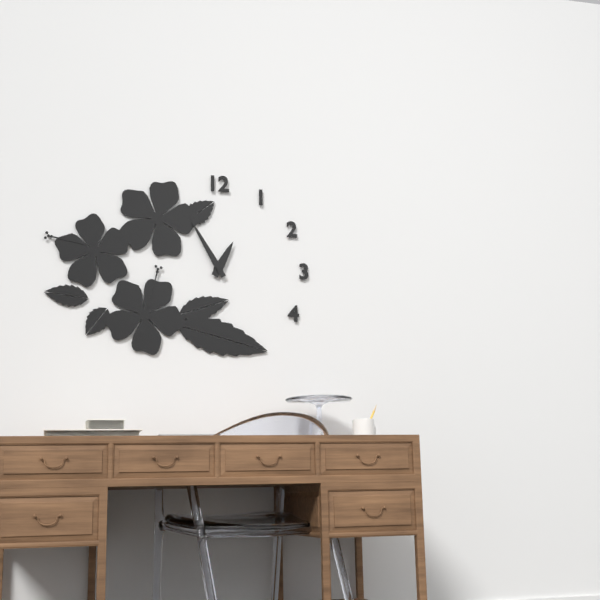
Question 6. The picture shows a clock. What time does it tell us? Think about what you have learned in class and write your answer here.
12:55
